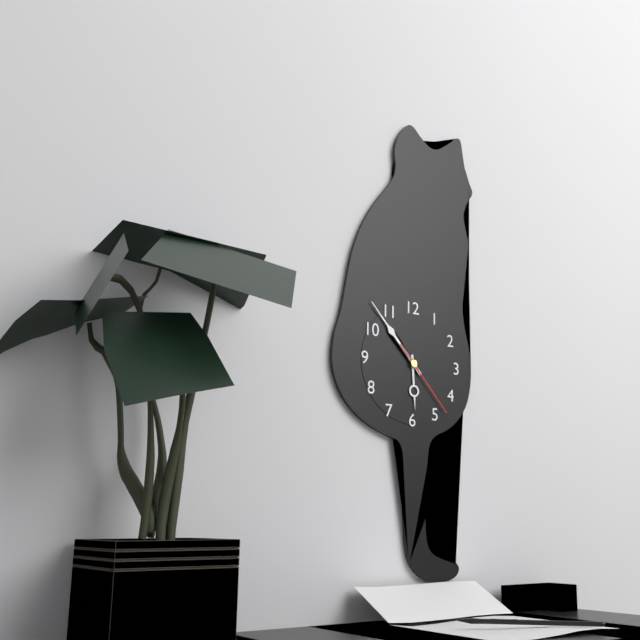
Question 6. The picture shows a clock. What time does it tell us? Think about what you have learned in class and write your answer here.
5:53:23
